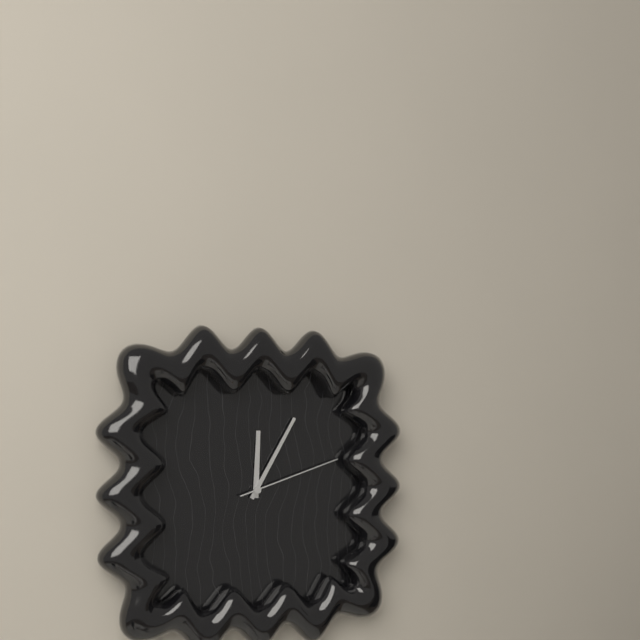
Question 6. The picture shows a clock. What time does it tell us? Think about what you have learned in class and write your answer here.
12:05:12
